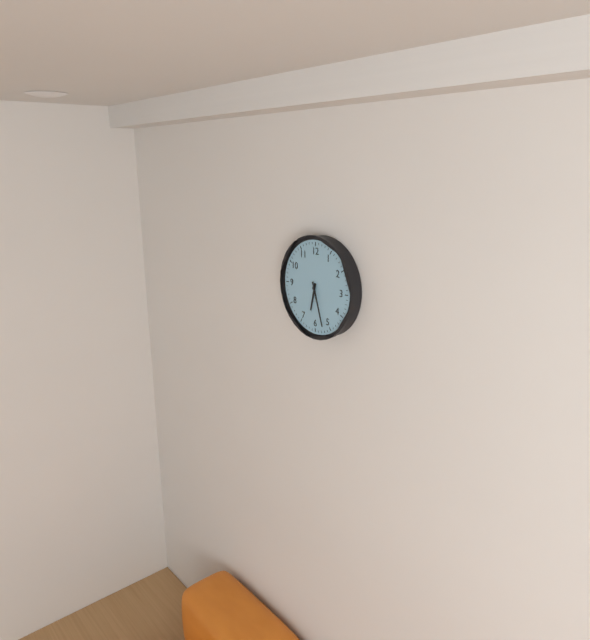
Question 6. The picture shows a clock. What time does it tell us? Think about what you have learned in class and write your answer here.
6:27
